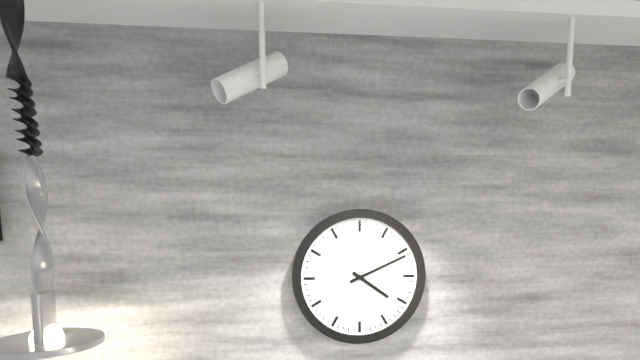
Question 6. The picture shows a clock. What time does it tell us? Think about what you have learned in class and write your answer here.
4:11
